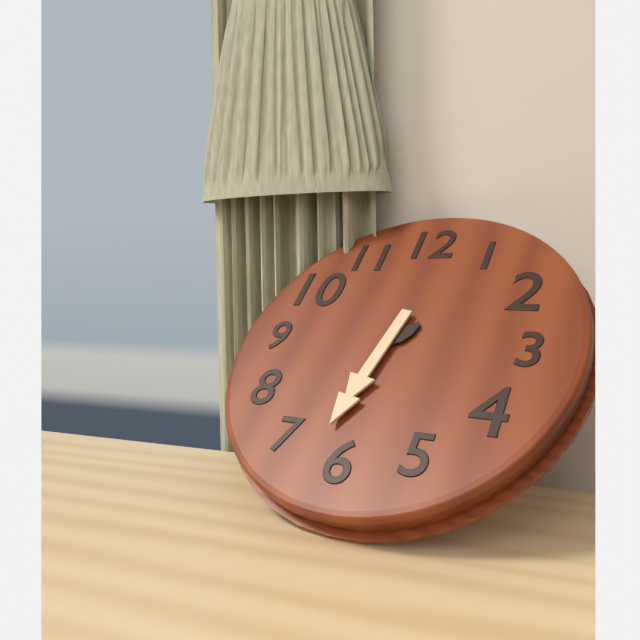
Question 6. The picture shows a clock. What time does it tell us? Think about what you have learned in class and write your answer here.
1:32
